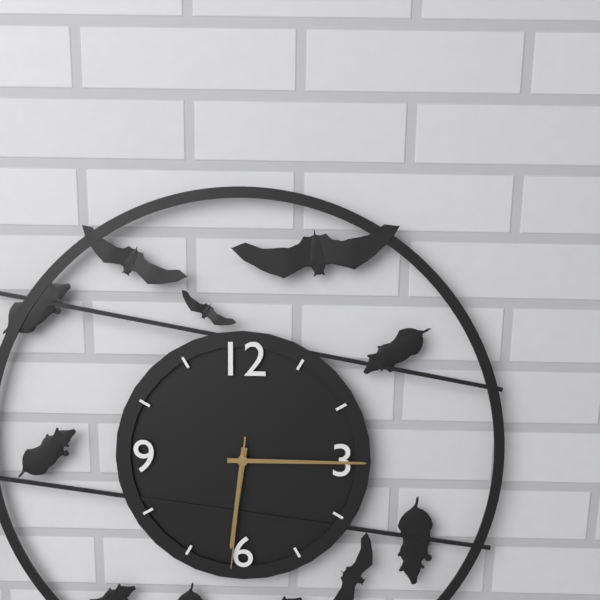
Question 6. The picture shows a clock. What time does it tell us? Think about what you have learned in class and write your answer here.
6:15:31
